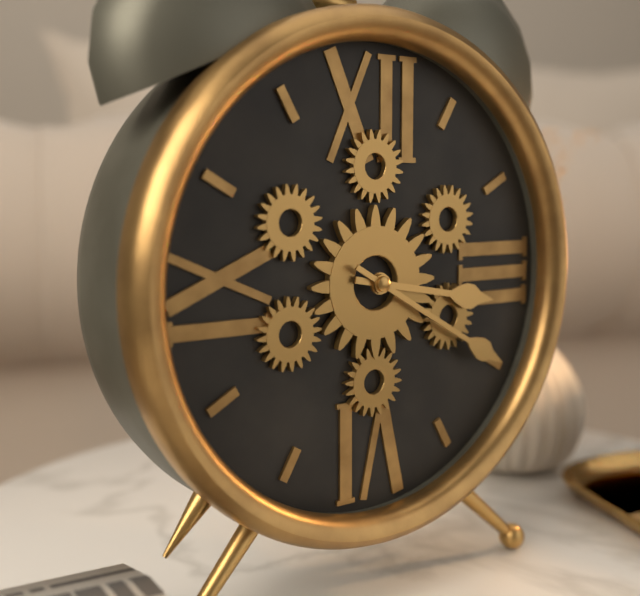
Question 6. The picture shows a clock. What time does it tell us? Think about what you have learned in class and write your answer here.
3:20
